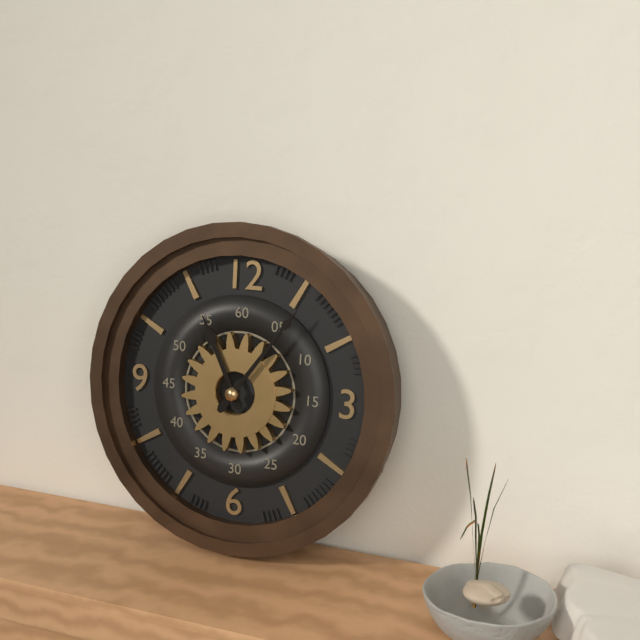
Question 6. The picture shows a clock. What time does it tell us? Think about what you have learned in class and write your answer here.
11:06
